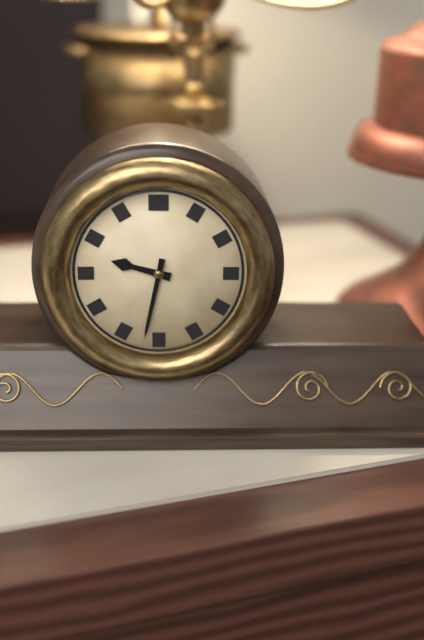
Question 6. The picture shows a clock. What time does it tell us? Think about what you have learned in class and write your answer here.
9:32
